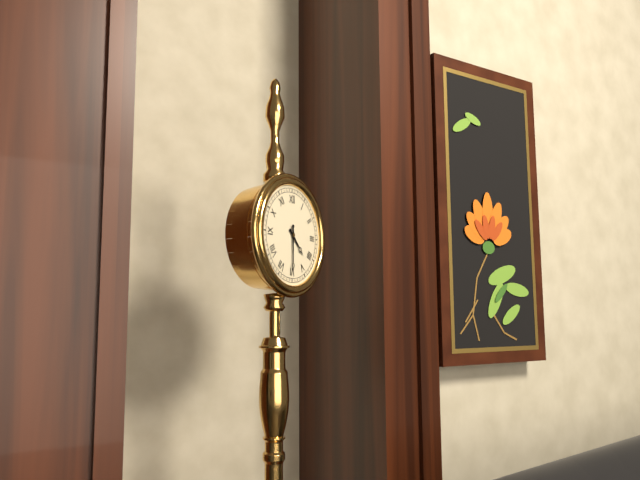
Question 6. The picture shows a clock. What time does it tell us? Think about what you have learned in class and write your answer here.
4:30
